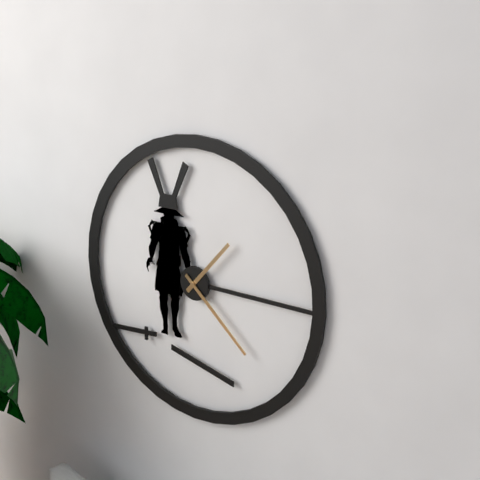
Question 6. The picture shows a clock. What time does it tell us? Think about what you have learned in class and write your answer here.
1:22
